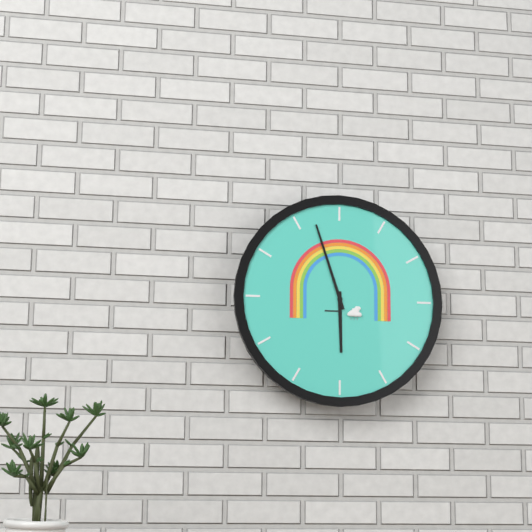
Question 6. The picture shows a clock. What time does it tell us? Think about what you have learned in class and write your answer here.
5:57
